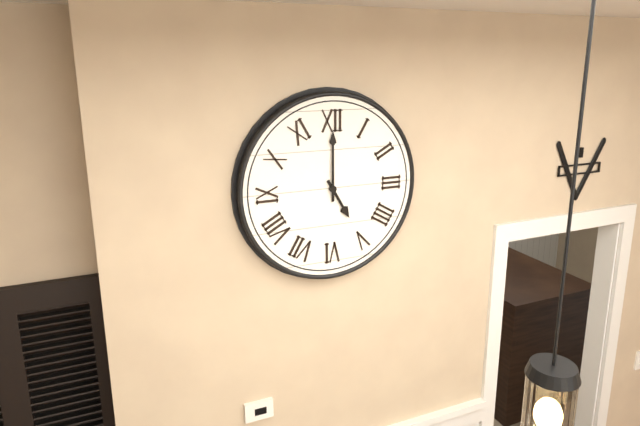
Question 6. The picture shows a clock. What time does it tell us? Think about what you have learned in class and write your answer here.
5:00
